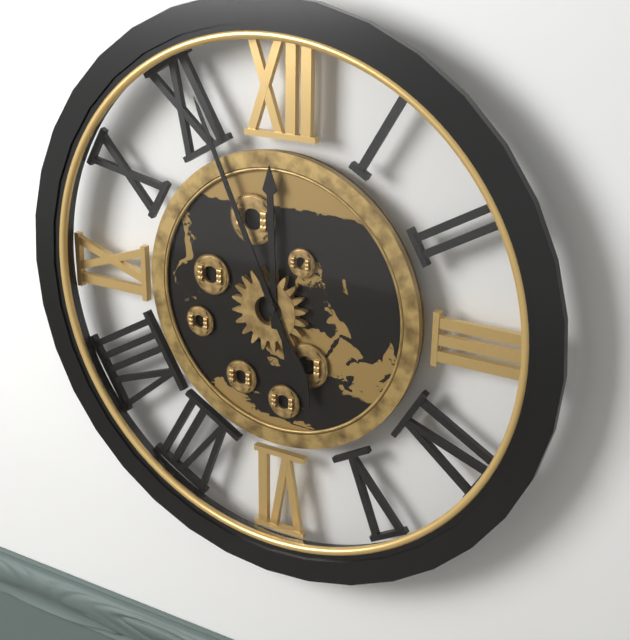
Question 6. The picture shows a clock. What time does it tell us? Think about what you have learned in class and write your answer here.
11:56
